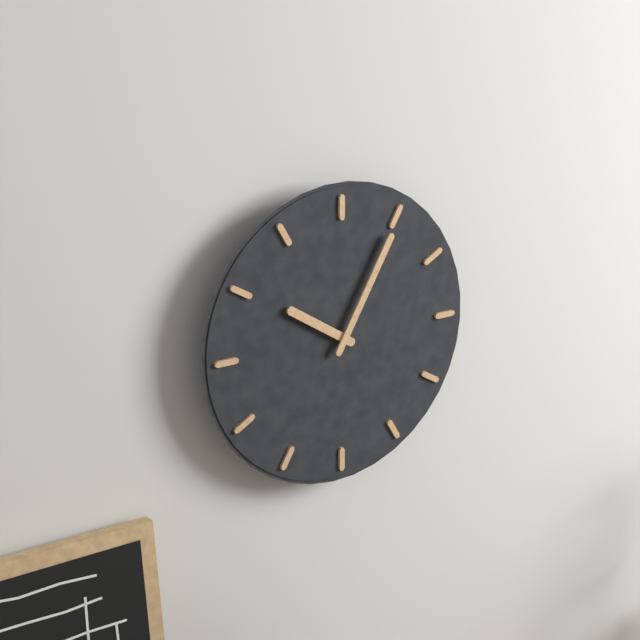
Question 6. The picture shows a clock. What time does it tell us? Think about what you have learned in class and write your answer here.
10:05
